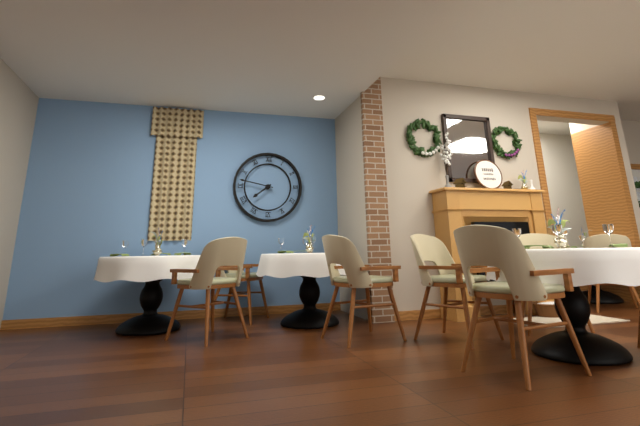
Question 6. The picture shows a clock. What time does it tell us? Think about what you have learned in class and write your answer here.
7:47
